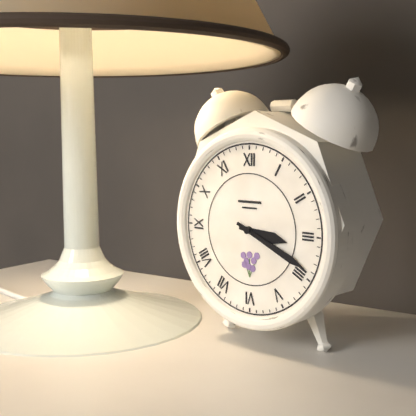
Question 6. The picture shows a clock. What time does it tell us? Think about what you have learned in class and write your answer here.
3:19
